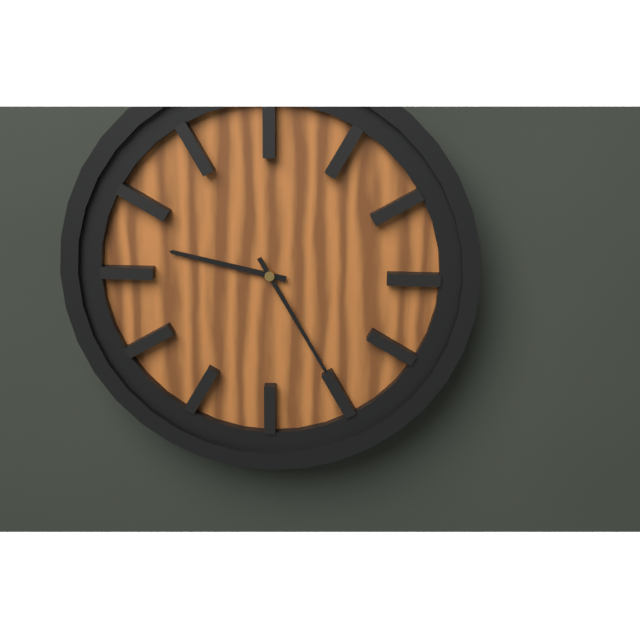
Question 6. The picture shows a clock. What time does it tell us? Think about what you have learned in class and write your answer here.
9:25
